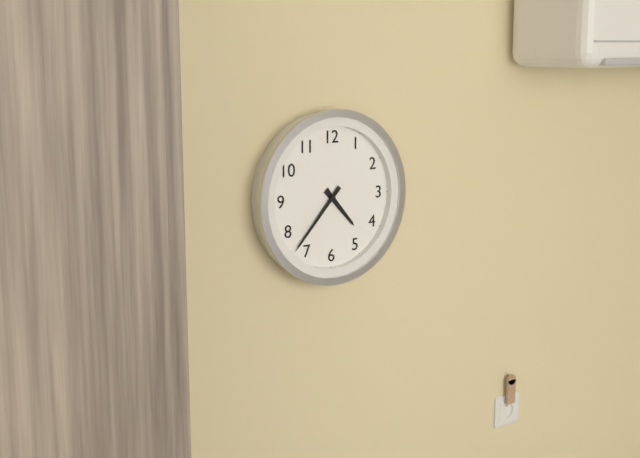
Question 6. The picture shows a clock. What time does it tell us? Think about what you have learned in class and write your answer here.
4:37
